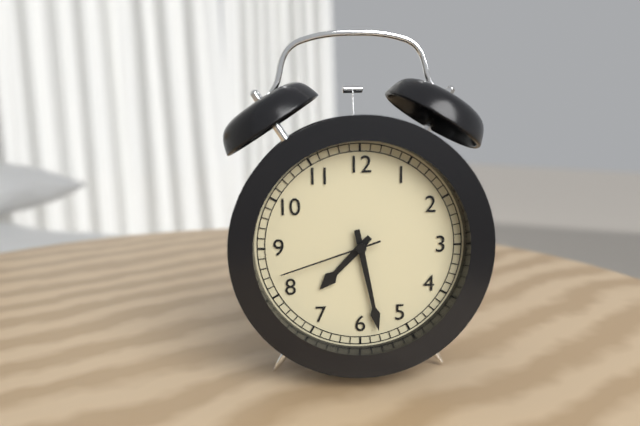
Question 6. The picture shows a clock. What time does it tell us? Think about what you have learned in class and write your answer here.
7:28:42
